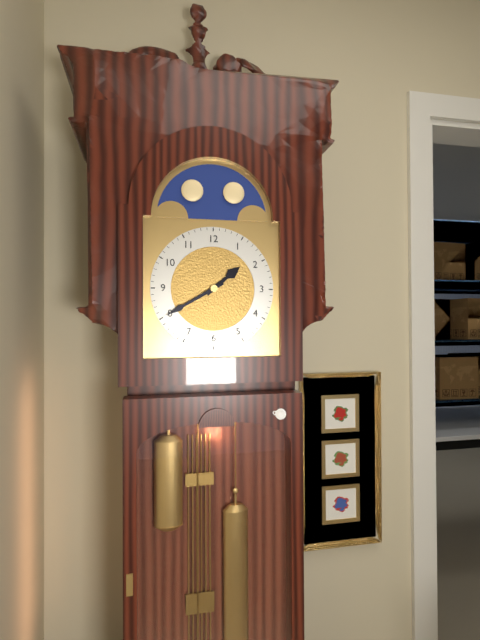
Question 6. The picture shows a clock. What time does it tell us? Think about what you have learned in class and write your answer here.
1:40
